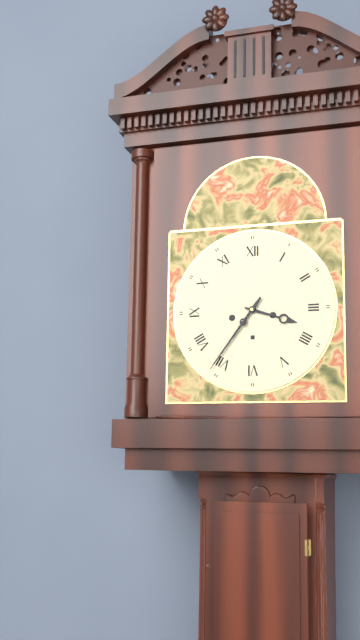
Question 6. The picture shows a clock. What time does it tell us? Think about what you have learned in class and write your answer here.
3:36
